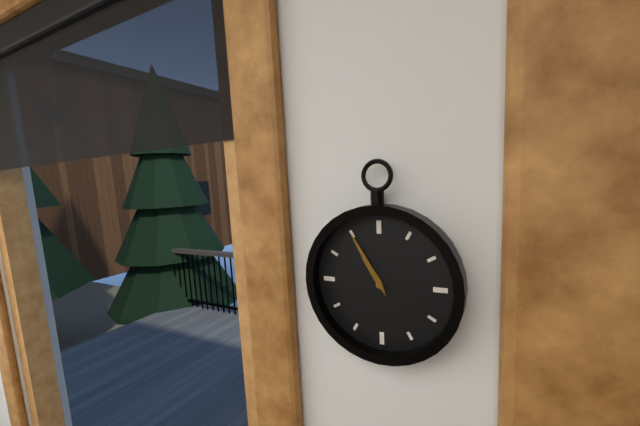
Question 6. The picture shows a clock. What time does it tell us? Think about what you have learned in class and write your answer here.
10:55
